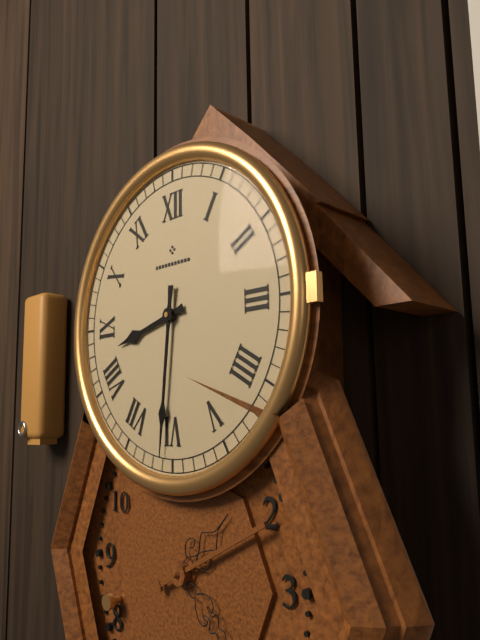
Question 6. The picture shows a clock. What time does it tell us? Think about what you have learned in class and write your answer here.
8:31
